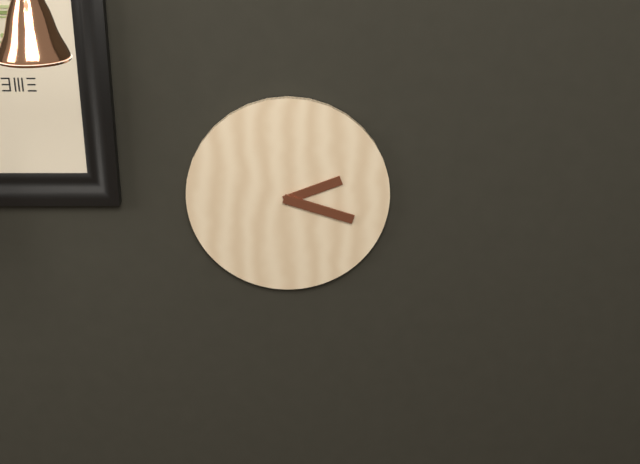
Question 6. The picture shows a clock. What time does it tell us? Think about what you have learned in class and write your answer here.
2:18
